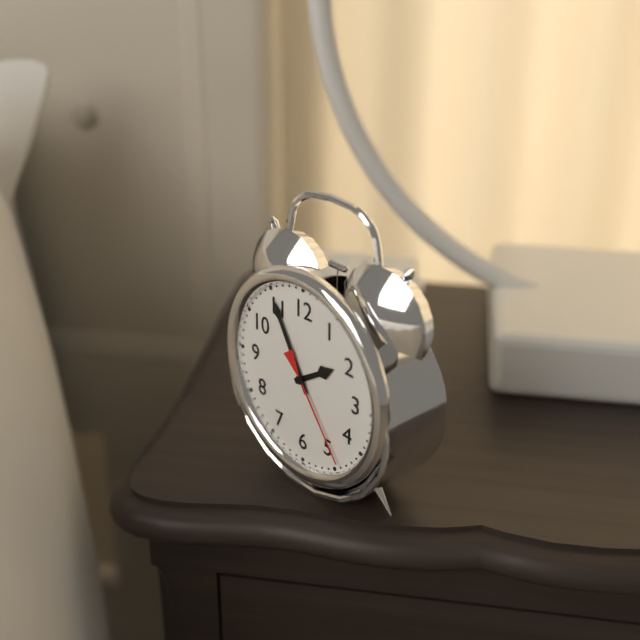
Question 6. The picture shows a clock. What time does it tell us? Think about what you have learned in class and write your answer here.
1:55:24
